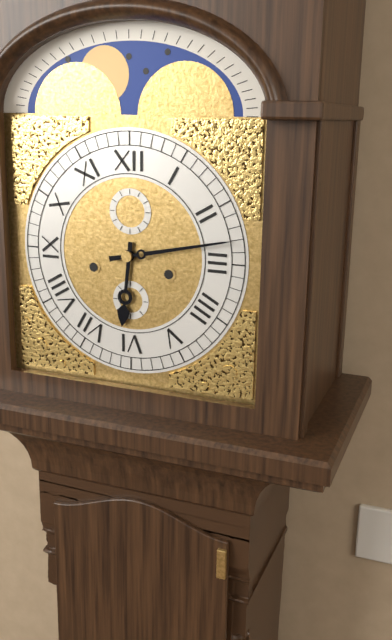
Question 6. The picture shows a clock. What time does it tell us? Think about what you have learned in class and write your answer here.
6:13
